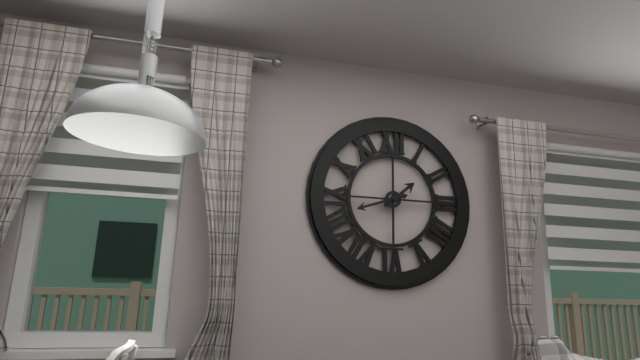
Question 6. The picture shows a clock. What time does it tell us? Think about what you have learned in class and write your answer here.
1:42
